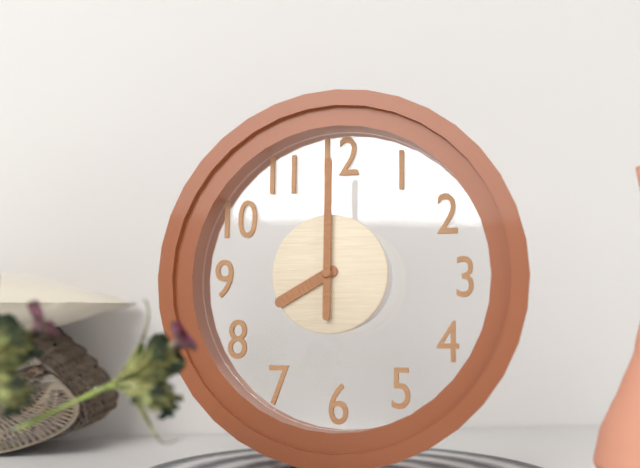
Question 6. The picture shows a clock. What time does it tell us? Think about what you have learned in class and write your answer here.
8:00
